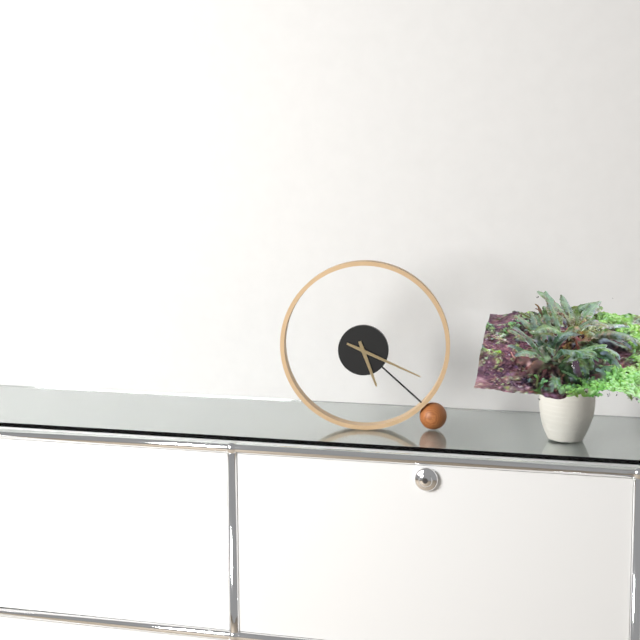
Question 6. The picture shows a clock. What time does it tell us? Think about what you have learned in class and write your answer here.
5:19
